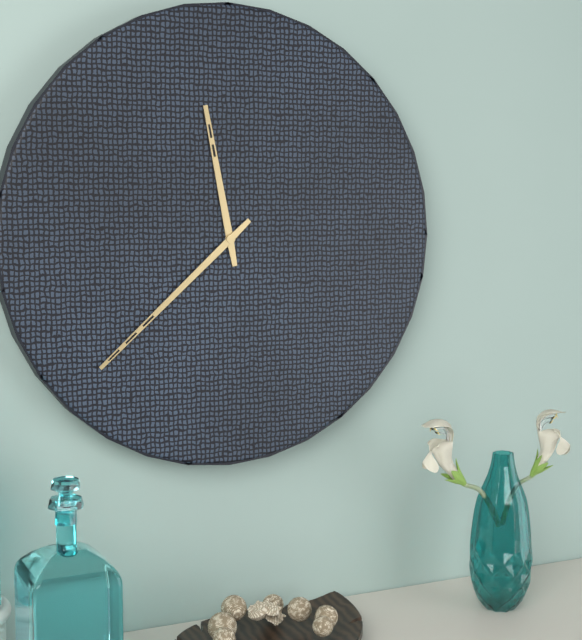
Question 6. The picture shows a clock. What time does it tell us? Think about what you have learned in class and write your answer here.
11:38
